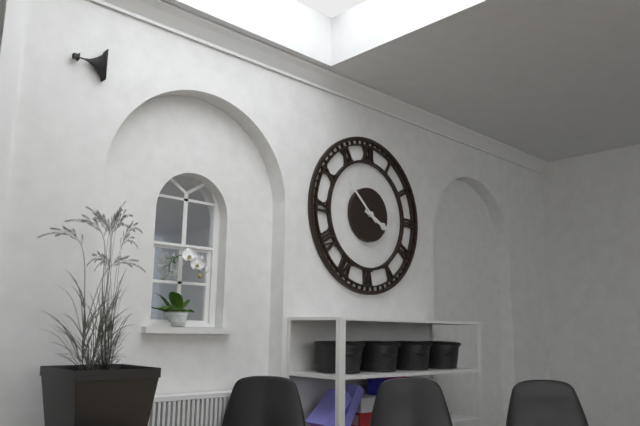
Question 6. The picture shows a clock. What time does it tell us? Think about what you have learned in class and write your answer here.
3:52
